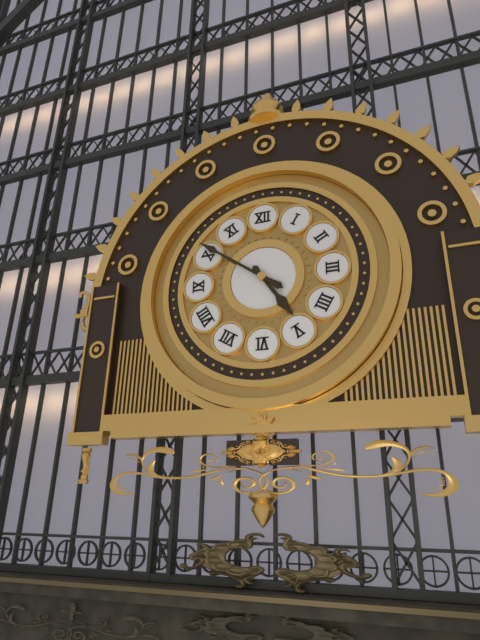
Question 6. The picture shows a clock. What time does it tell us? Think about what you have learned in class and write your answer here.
4:51
